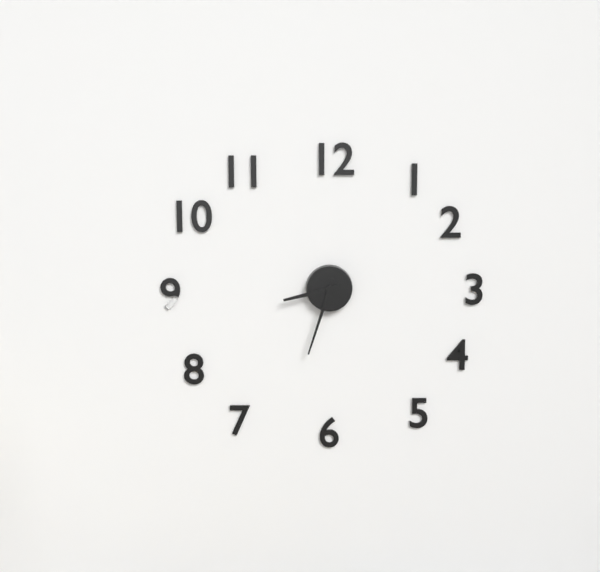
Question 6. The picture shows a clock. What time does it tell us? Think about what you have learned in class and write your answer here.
8:33
